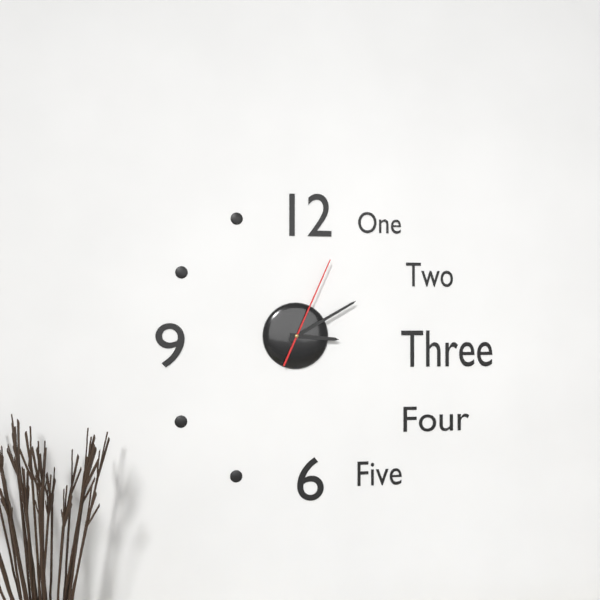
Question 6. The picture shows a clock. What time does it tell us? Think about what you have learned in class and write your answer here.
3:10:04
